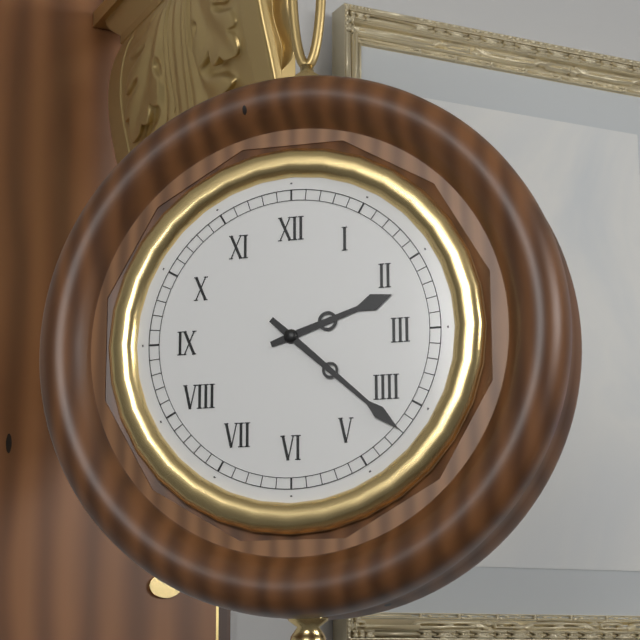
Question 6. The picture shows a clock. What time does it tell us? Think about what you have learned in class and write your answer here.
2:22
